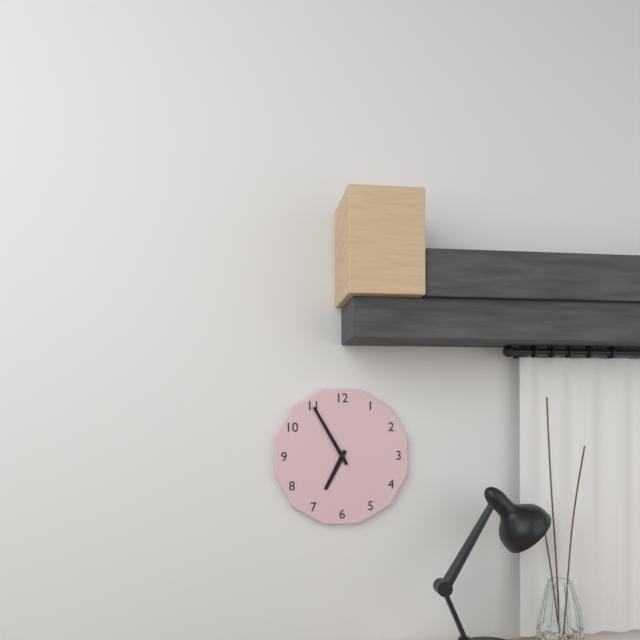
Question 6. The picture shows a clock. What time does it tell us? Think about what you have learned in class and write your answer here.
6:55
